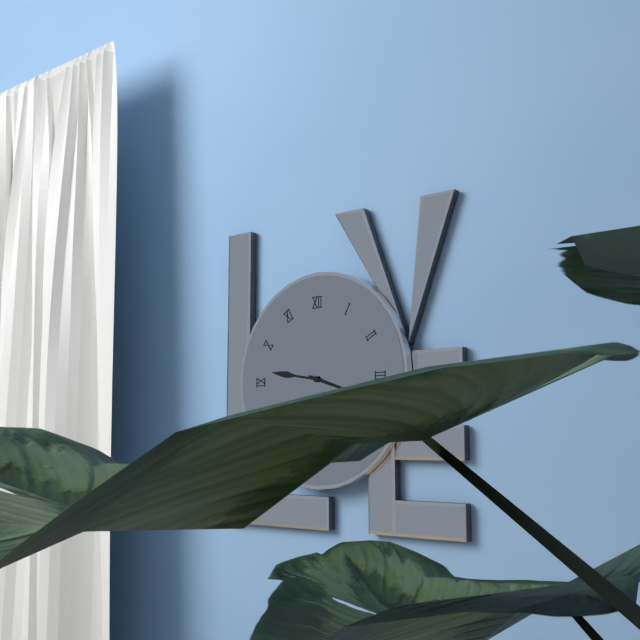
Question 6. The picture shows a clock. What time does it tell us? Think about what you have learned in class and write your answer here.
9:18
